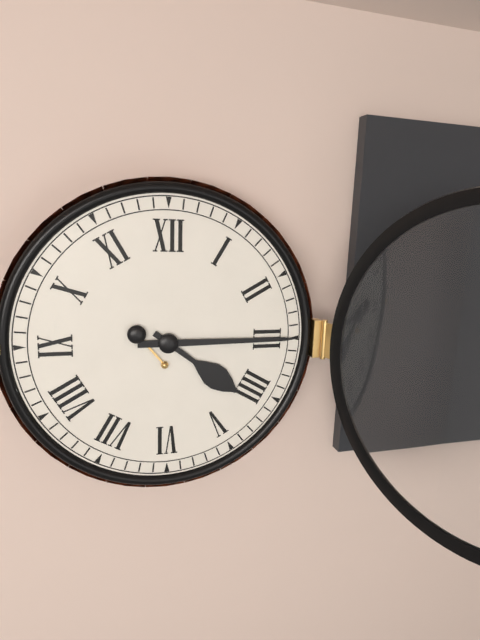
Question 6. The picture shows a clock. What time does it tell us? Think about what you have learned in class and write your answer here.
4:15
